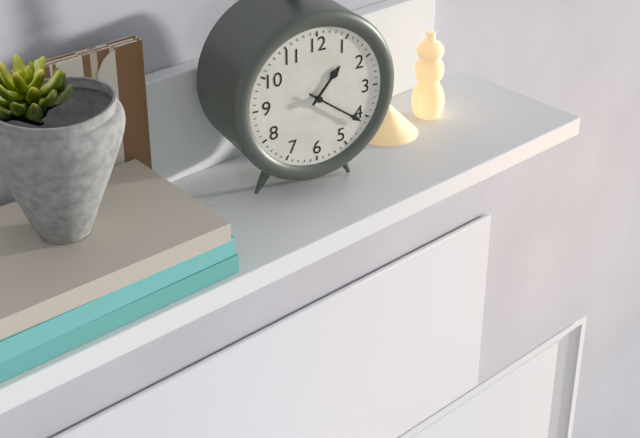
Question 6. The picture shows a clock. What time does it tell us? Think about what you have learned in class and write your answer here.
1:21
